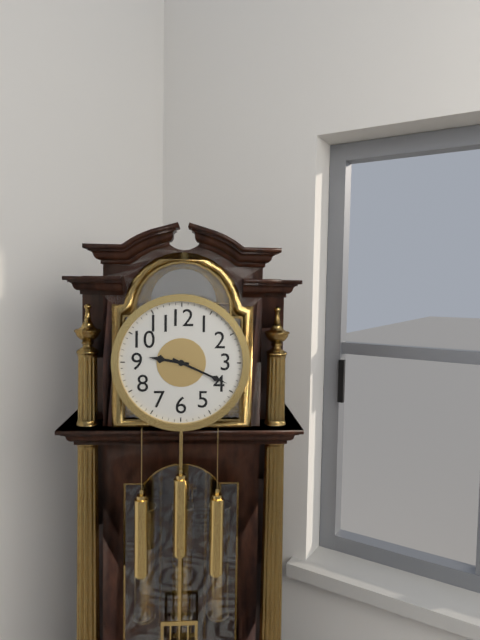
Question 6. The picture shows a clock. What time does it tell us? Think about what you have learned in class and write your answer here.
9:19
